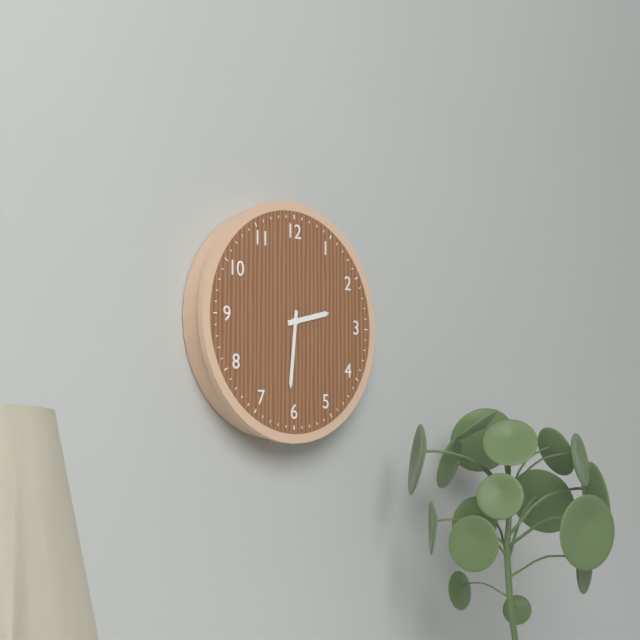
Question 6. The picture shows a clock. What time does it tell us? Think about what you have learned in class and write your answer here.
2:31
